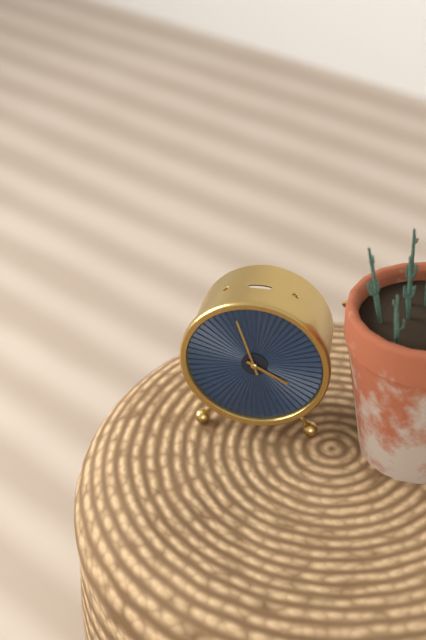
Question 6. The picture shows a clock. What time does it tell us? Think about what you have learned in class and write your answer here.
3:57
